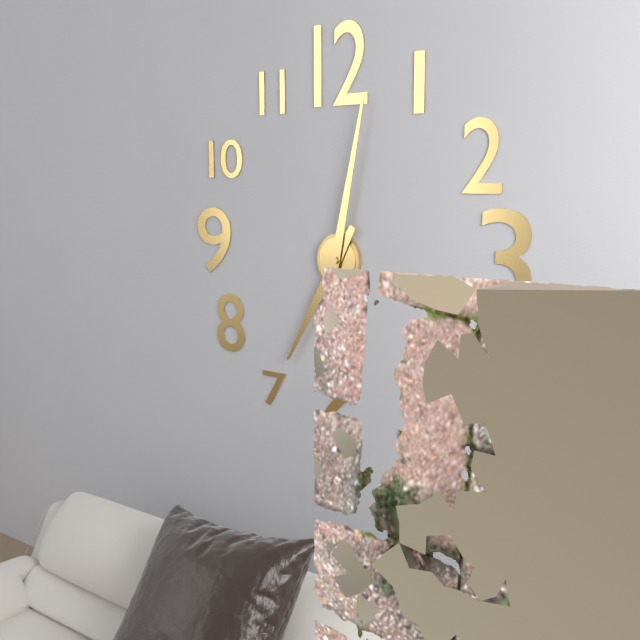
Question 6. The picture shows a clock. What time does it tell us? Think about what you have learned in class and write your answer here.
7:02
